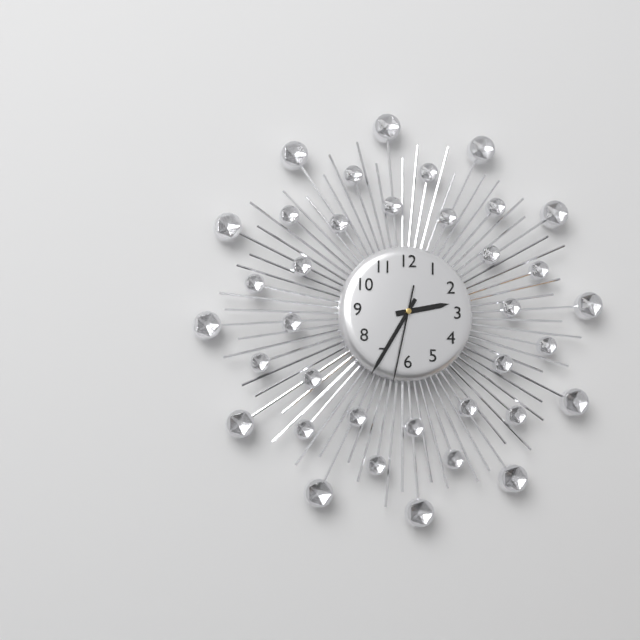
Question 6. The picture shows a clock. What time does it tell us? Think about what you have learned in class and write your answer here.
2:35:32
